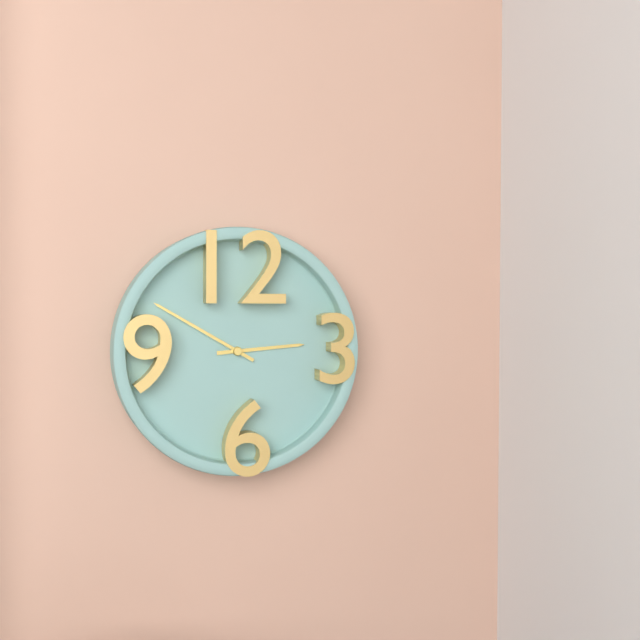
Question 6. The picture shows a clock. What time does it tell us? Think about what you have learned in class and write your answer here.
2:50
